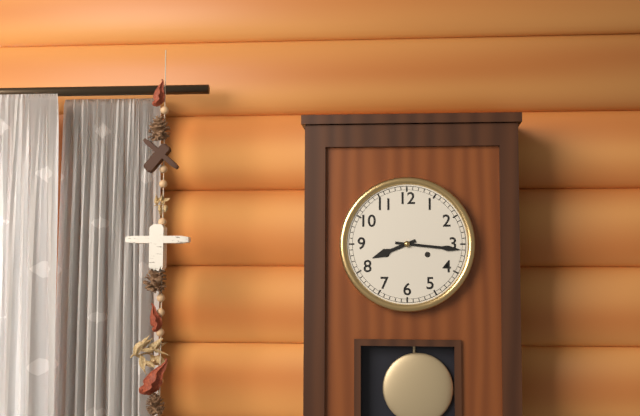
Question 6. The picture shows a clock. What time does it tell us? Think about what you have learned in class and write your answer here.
8:16
